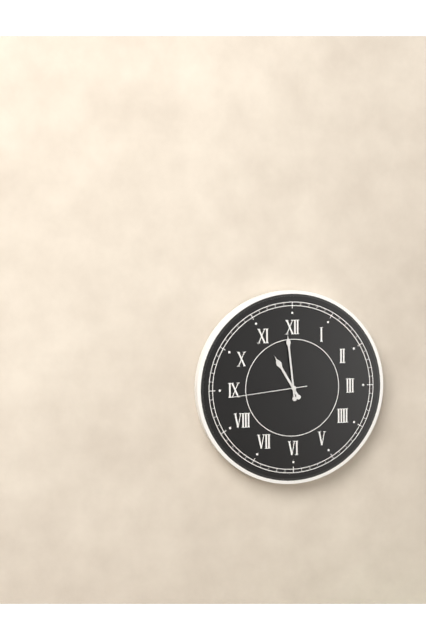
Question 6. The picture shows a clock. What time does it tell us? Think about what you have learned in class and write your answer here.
10:59:44
